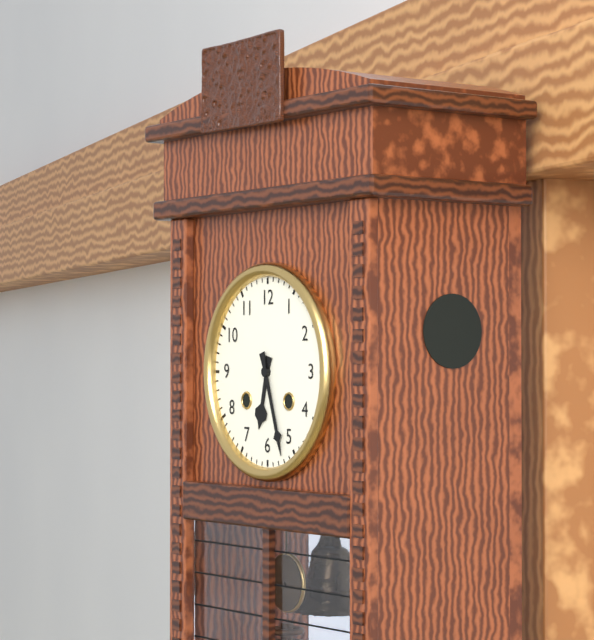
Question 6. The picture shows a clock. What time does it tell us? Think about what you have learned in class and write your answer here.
6:27
